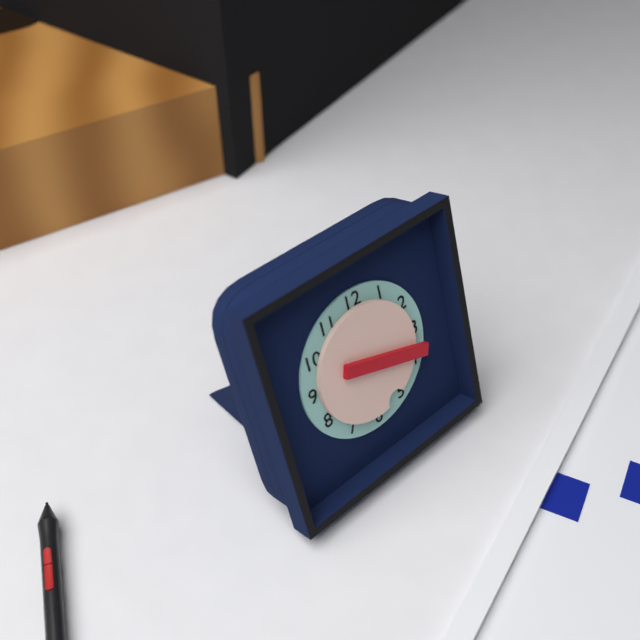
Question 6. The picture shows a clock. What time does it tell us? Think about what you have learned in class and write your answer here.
5:18
